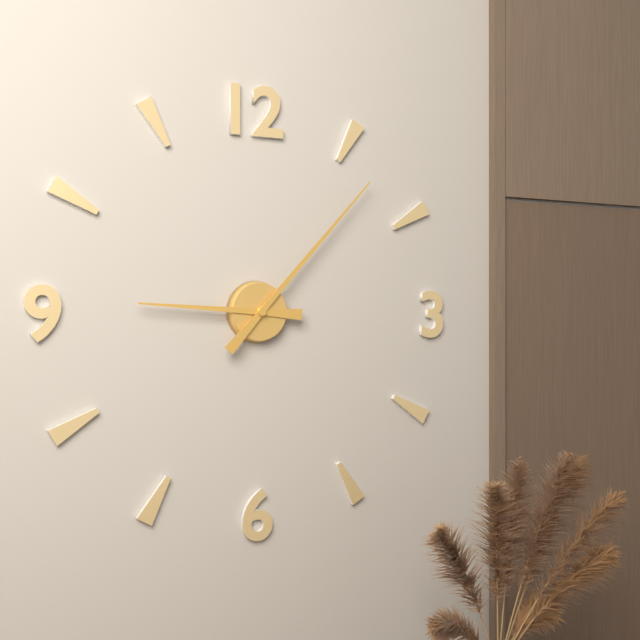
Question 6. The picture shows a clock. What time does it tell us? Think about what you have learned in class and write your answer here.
9:07
